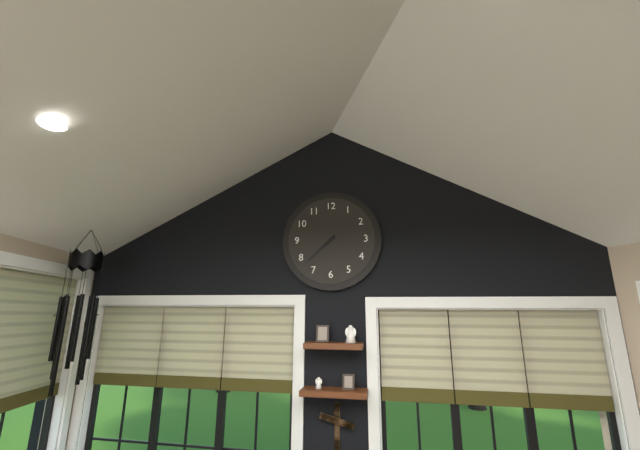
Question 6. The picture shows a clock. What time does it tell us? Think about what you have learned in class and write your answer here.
7:38
